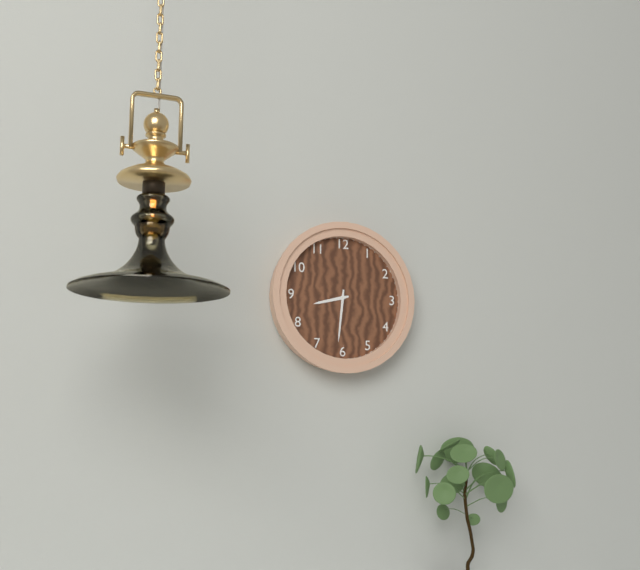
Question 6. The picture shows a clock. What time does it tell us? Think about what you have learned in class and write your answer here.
8:31
